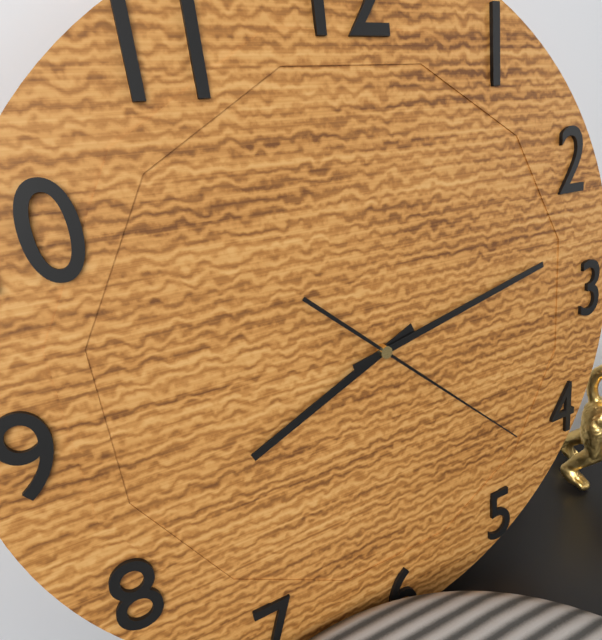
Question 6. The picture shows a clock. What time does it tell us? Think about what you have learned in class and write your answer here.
8:13:22
